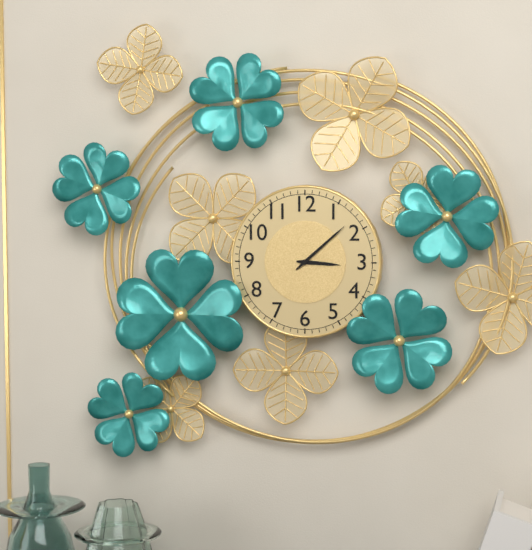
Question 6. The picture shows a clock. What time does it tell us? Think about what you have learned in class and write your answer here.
3:08
